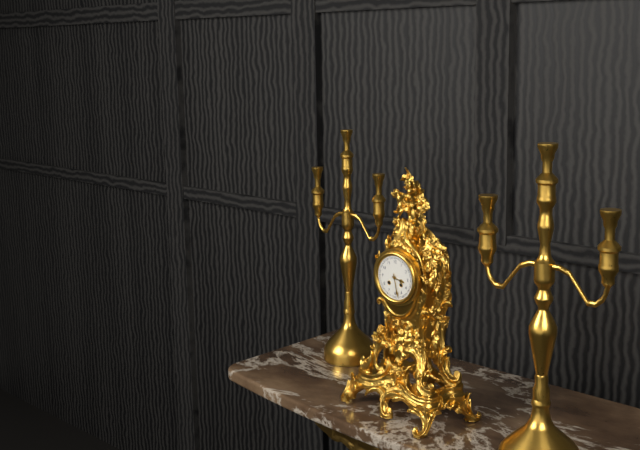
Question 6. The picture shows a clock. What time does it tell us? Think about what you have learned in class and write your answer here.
3:28
